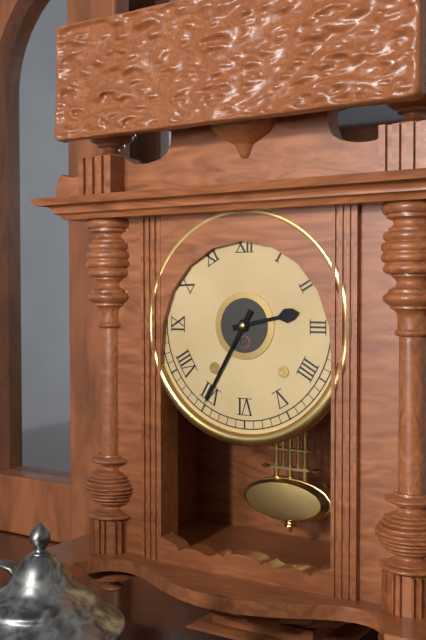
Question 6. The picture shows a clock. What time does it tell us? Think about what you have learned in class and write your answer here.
2:35
